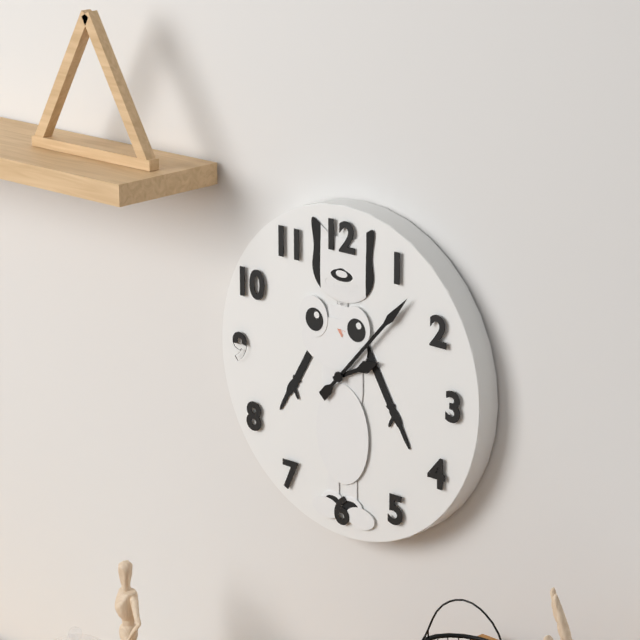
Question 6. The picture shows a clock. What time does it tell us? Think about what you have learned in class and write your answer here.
2:07
